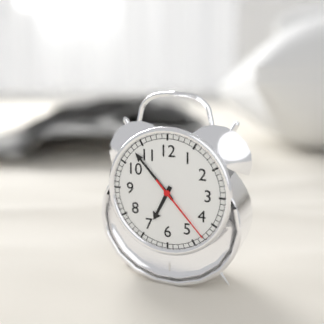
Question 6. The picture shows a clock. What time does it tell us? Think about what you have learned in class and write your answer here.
6:53:23
